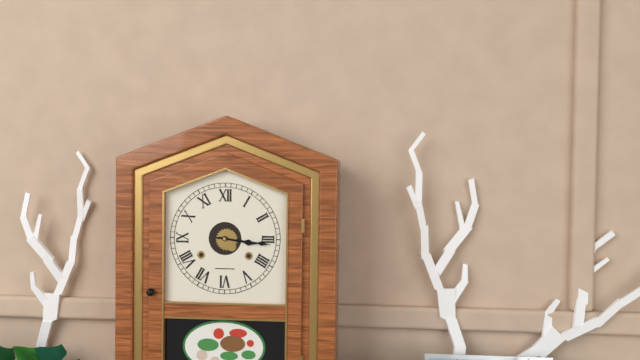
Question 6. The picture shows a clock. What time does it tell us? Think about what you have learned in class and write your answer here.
3:16
